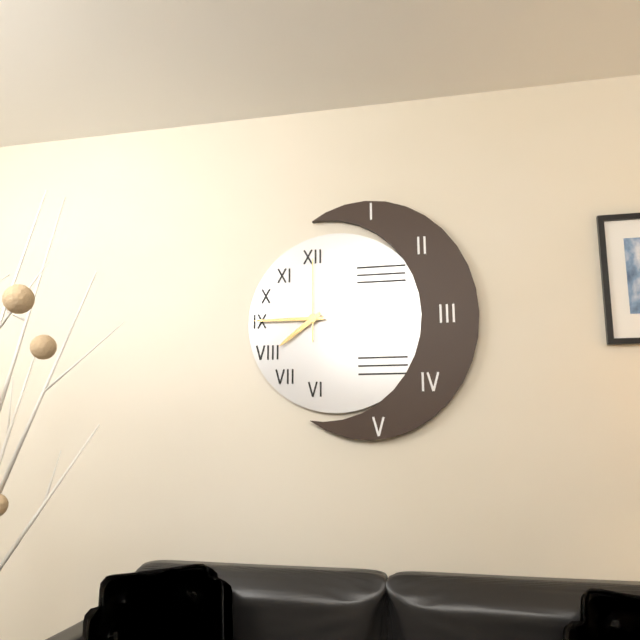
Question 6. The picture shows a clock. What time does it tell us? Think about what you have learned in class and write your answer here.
7:45:00
